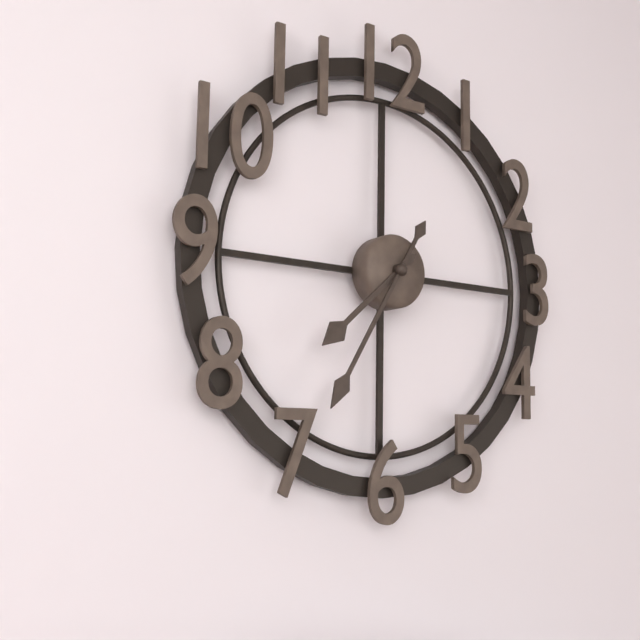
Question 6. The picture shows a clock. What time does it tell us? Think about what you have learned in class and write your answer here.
7:35
